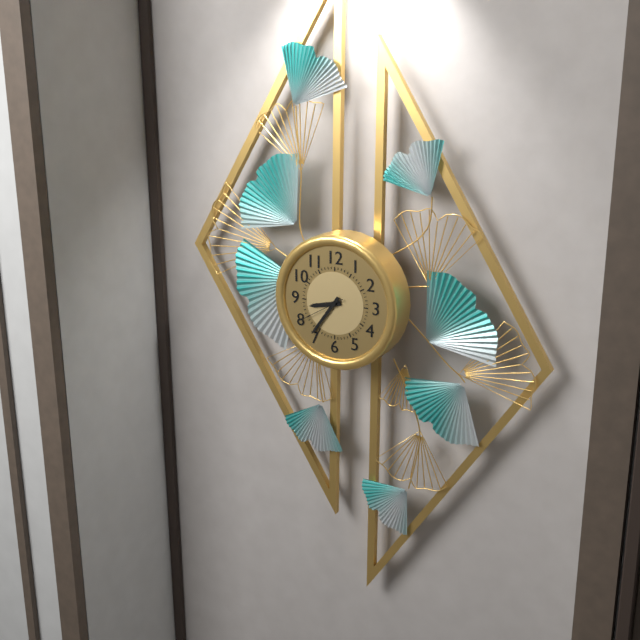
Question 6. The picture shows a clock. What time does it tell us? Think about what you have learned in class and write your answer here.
8:36:40
